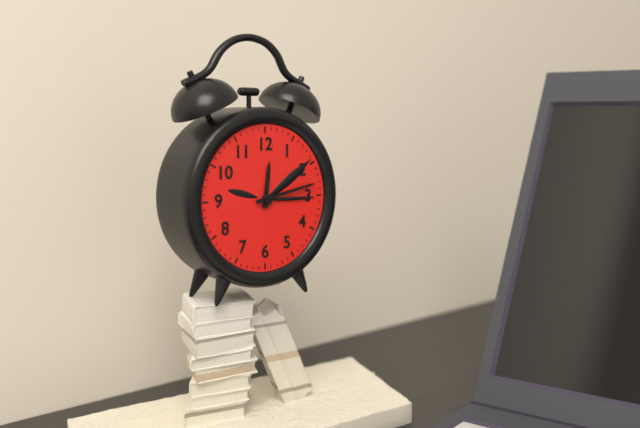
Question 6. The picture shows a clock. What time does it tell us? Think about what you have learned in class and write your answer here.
12:13
